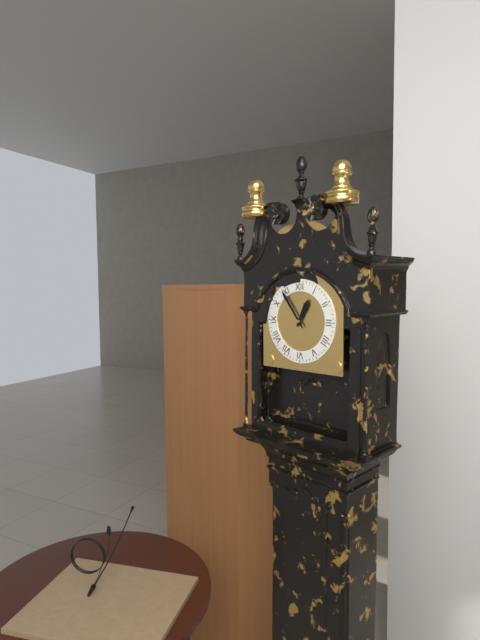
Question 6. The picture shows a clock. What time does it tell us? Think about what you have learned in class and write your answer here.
12:54
